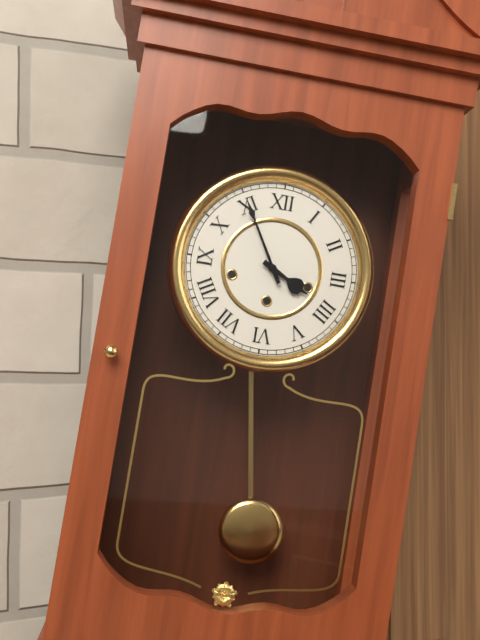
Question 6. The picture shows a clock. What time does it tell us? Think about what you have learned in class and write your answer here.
3:55
